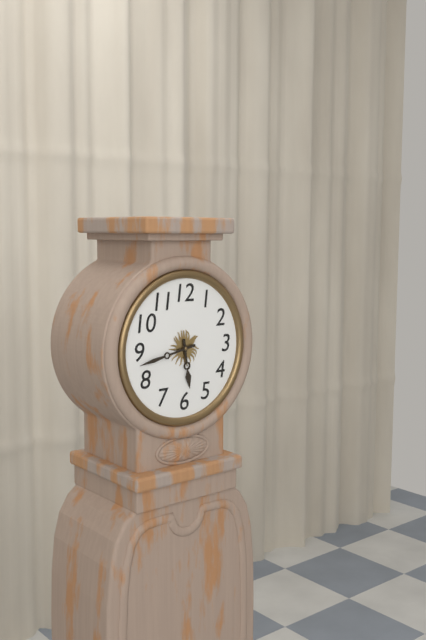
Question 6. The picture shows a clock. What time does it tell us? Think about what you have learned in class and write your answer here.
5:43
